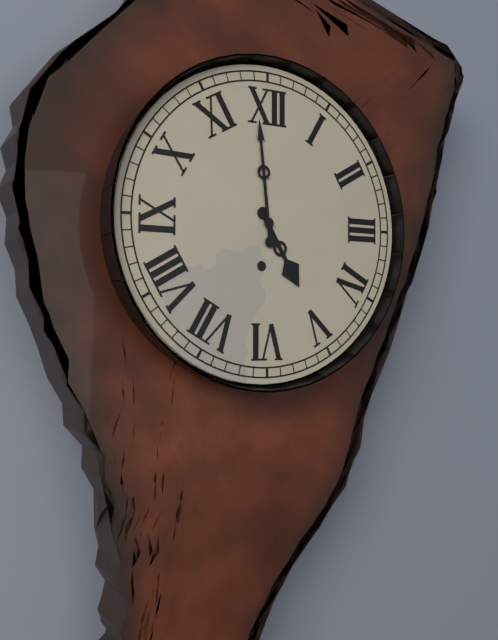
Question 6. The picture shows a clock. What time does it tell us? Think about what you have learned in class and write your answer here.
4:59
